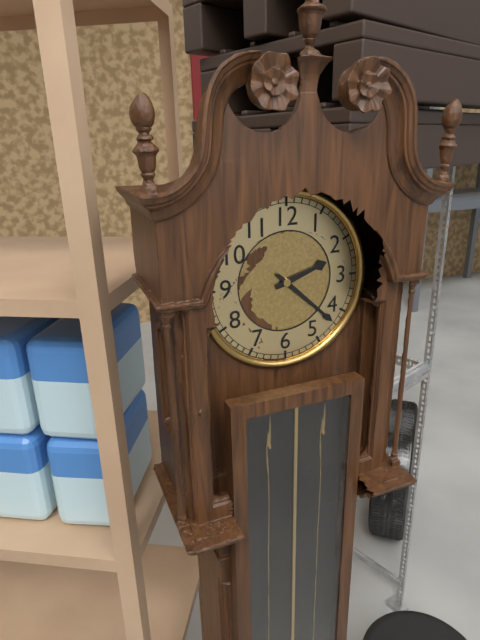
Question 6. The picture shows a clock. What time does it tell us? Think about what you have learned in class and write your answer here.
2:22
